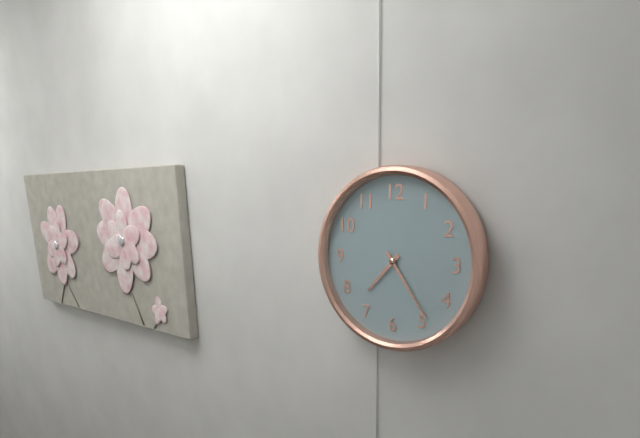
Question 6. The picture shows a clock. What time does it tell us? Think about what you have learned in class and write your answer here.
7:24
